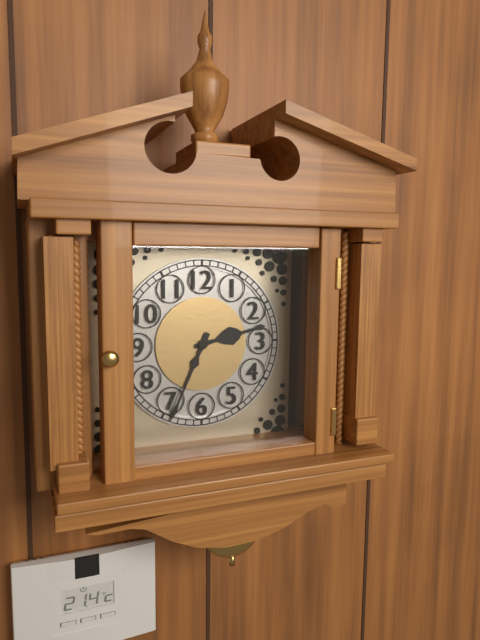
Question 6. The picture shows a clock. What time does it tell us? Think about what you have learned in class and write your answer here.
2:34
